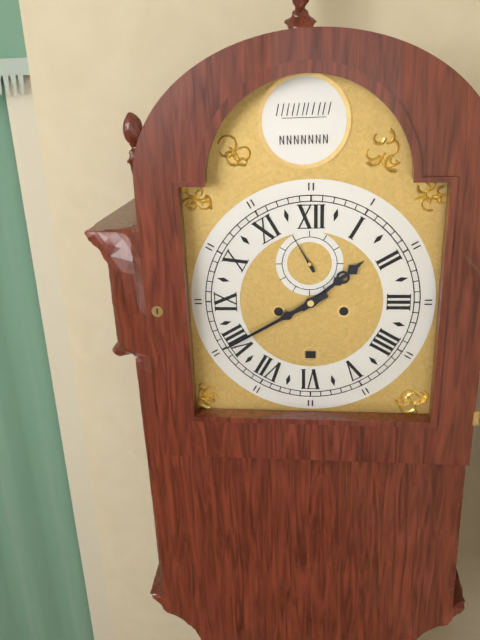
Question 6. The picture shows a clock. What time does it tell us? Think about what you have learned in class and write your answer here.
1:40
